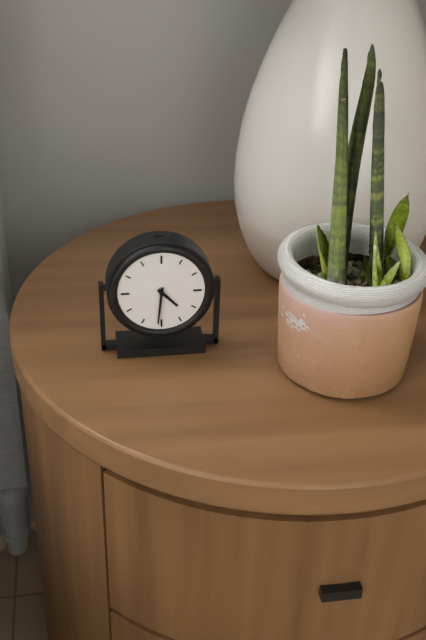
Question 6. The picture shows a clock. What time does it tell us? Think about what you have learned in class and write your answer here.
4:31
